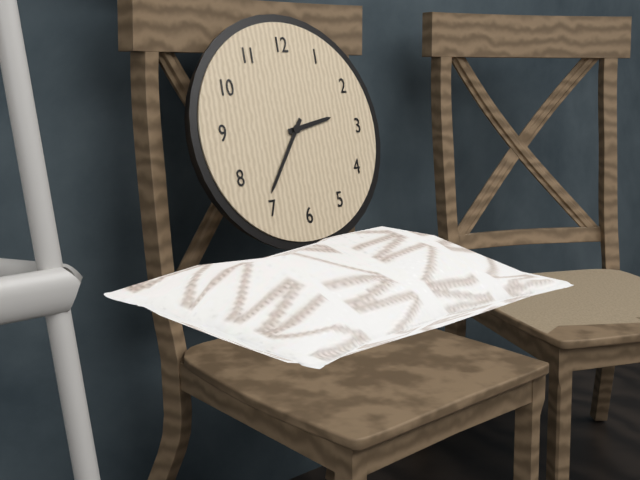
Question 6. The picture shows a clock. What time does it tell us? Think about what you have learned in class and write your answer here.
2:36
